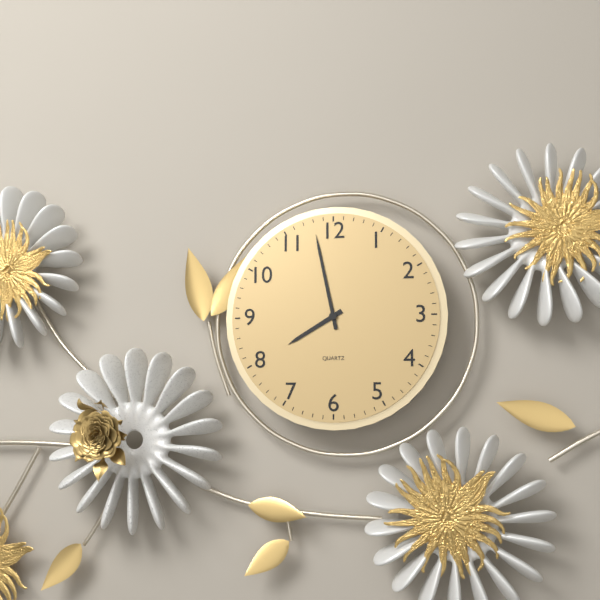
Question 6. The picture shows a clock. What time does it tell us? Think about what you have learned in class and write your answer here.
7:58
